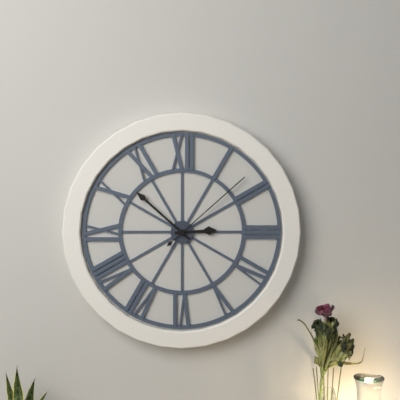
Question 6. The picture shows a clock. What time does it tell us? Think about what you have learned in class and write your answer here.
2:52:08
